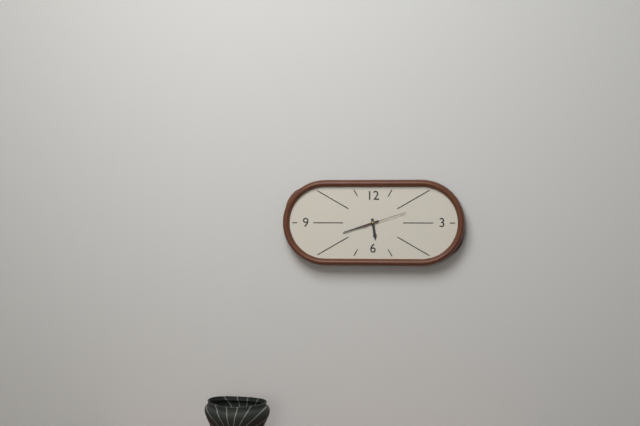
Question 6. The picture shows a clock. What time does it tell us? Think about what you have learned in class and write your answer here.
5:42
